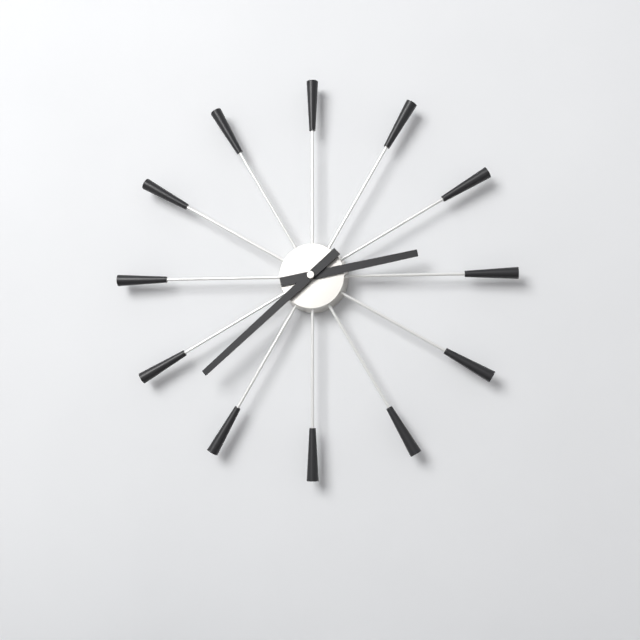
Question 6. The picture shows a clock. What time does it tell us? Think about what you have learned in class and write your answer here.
2:38
